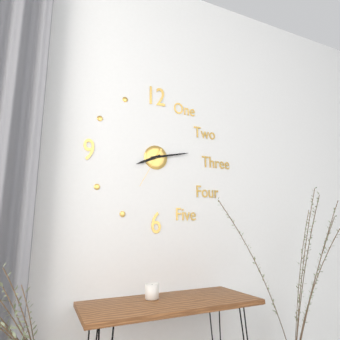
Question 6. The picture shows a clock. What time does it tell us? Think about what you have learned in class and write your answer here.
8:13
